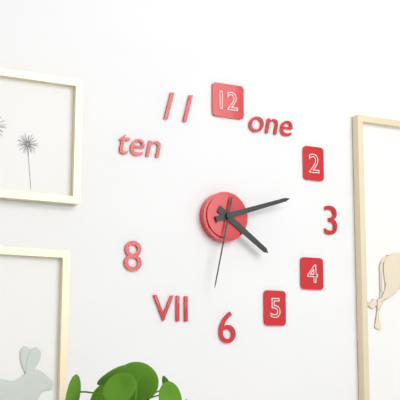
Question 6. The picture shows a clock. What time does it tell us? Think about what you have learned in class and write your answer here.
4:12:32
